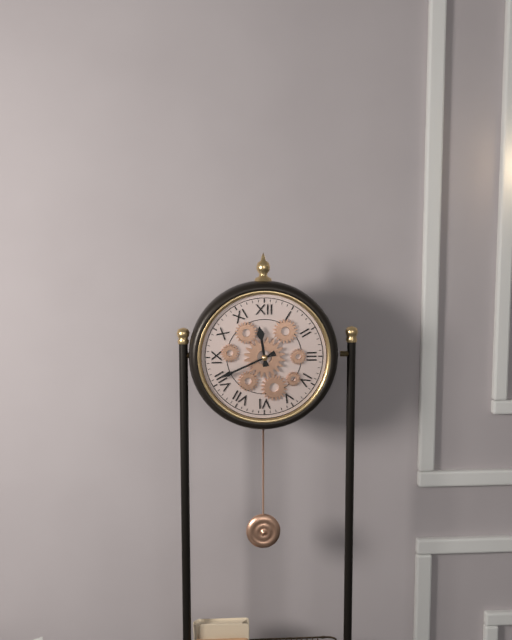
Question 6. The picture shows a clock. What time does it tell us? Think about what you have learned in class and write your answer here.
11:41
